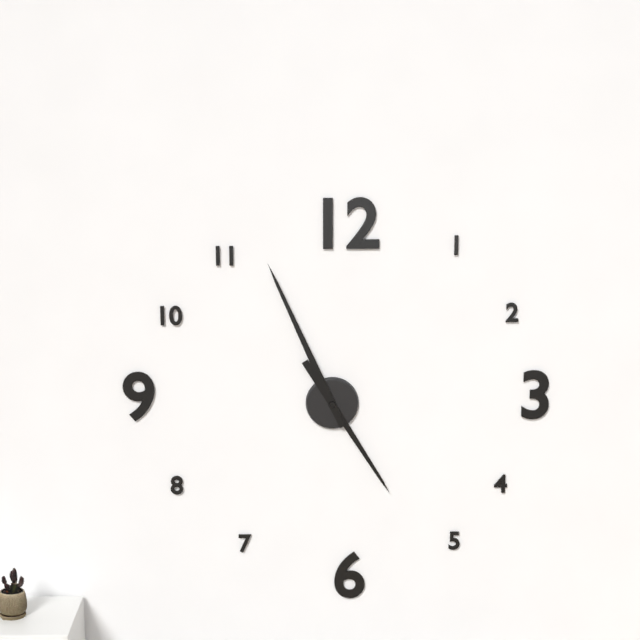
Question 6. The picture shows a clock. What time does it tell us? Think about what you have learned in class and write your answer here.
4:56
